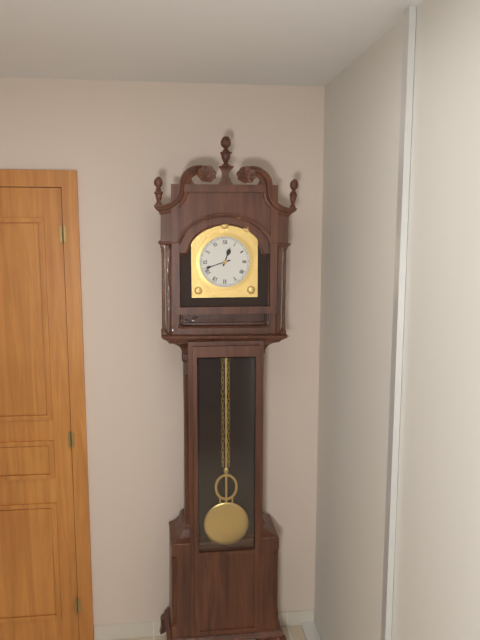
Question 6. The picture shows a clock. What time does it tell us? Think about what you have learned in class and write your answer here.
12:42
